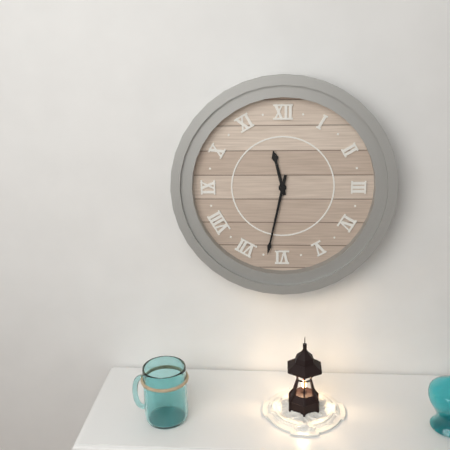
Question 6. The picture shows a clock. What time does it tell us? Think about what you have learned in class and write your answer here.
11:32
